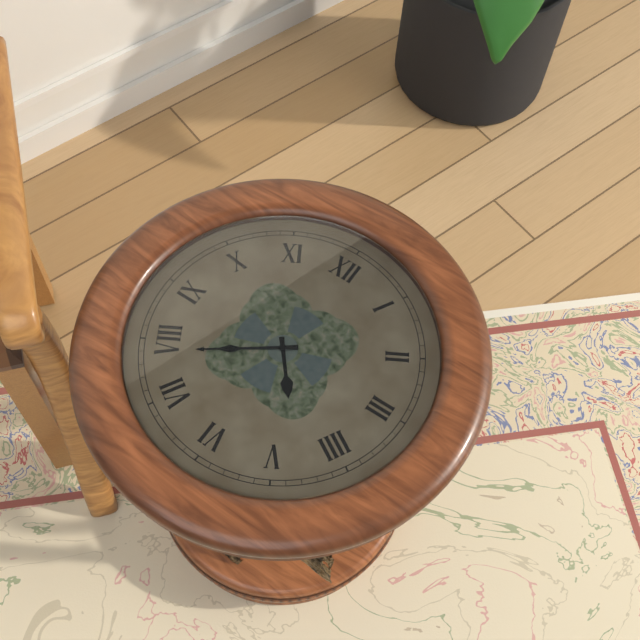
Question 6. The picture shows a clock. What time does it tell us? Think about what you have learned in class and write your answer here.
4:39
